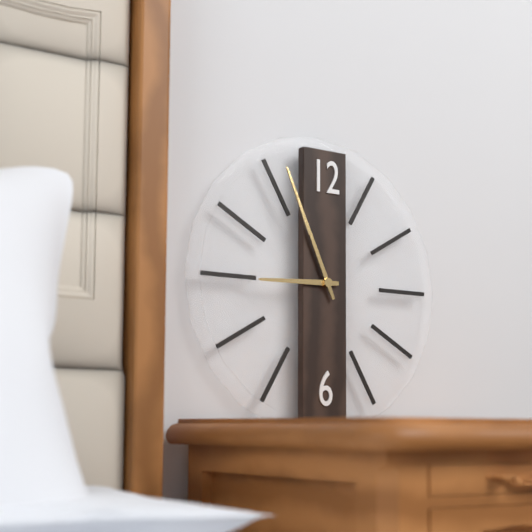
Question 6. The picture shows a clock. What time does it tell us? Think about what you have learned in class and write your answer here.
8:56
